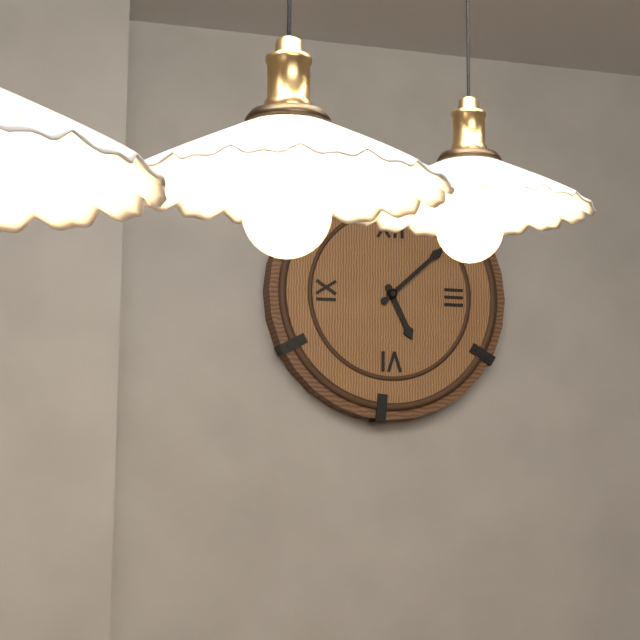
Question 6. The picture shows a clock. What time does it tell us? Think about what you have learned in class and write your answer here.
5:08
